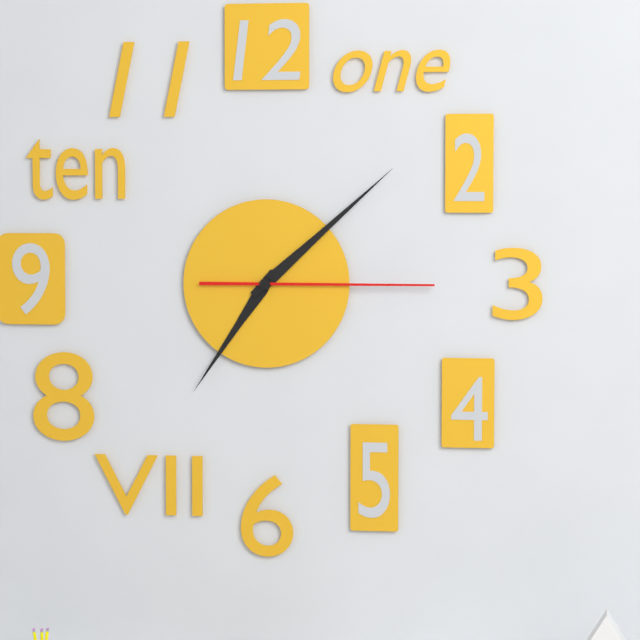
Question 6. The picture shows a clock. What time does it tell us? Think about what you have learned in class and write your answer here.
7:08:15
